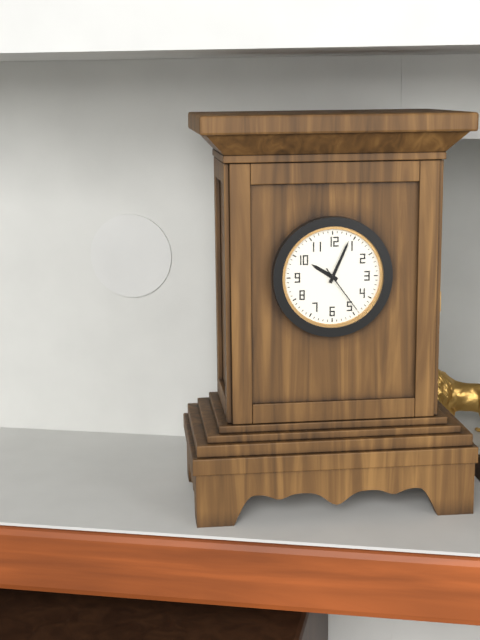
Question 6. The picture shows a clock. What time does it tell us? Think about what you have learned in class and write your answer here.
10:04:24
